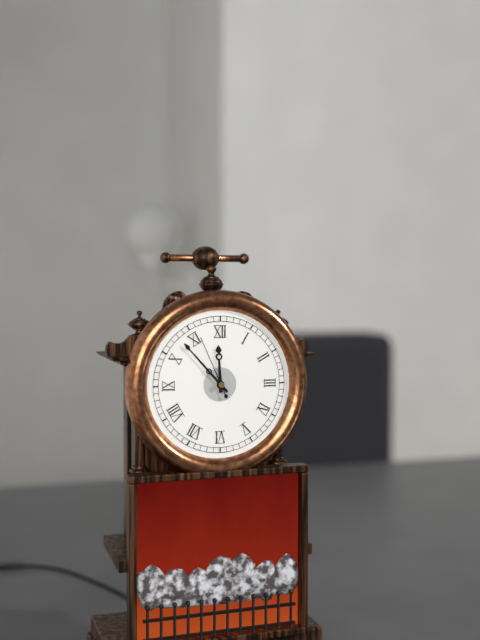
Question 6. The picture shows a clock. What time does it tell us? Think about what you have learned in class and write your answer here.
11:53:56
